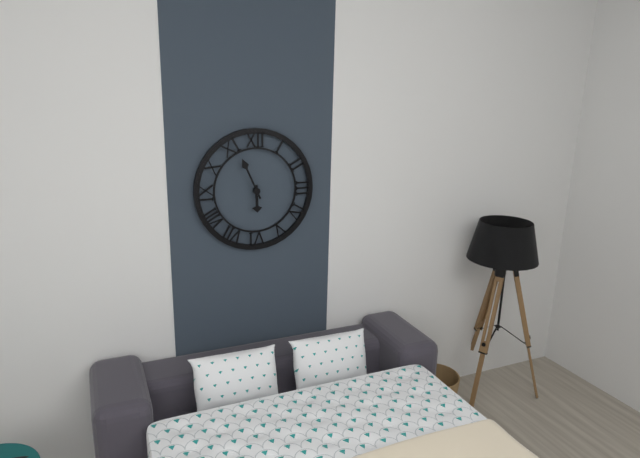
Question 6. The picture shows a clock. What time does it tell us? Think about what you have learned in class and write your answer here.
5:56
